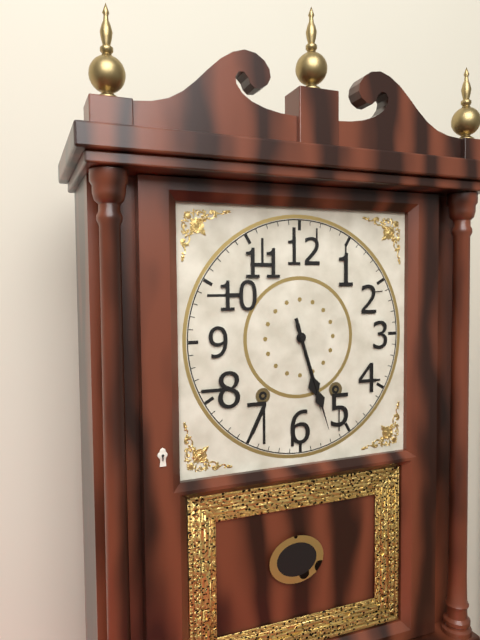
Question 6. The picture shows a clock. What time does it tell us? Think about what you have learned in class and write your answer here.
5:27
